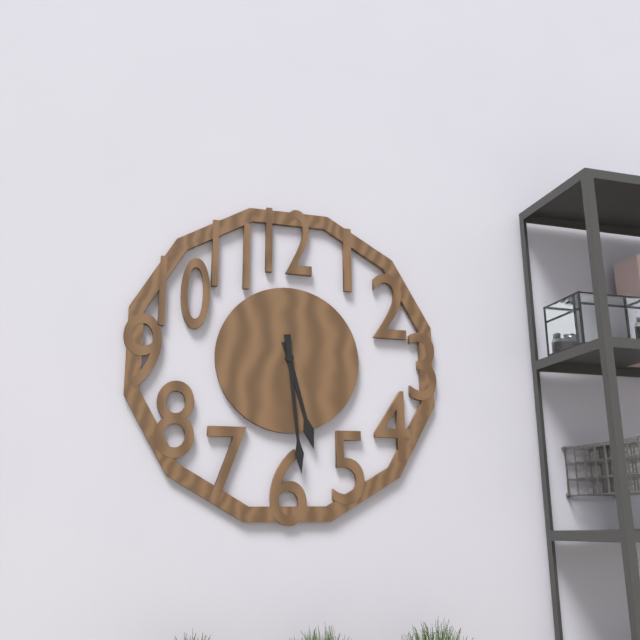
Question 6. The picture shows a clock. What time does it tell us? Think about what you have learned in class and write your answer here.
5:29
